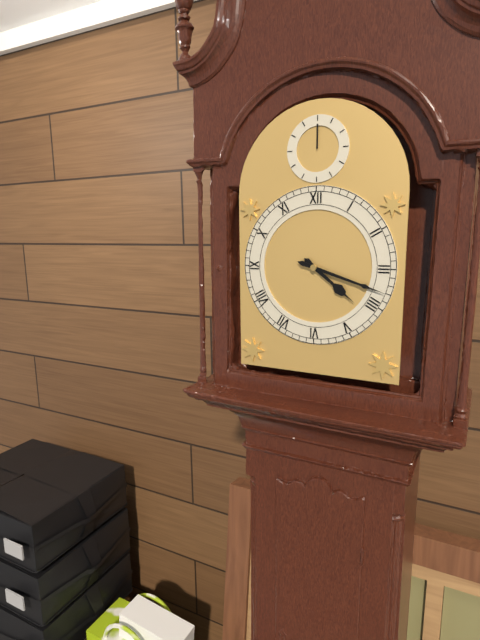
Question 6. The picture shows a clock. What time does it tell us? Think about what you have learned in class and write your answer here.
4:18
